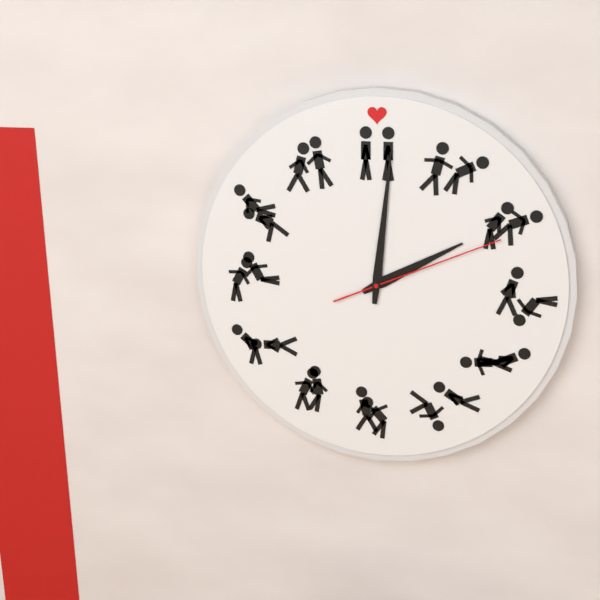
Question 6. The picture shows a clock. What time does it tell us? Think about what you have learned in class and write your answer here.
2:01:11
